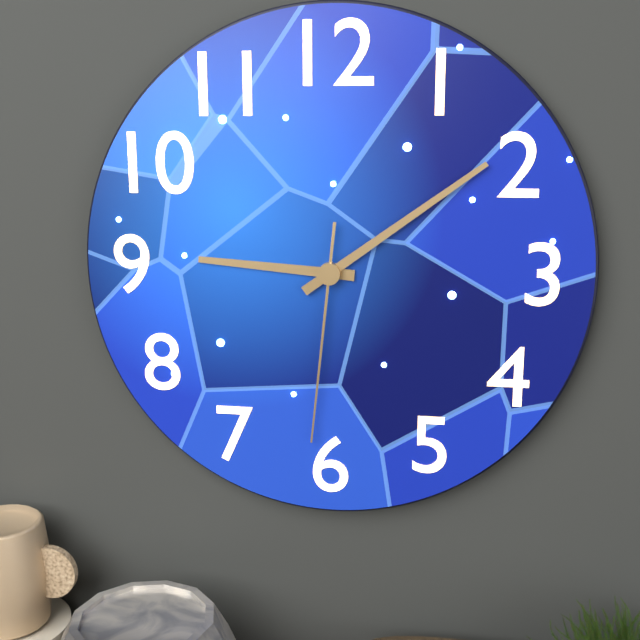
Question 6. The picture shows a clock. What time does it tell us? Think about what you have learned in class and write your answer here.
9:09:31
